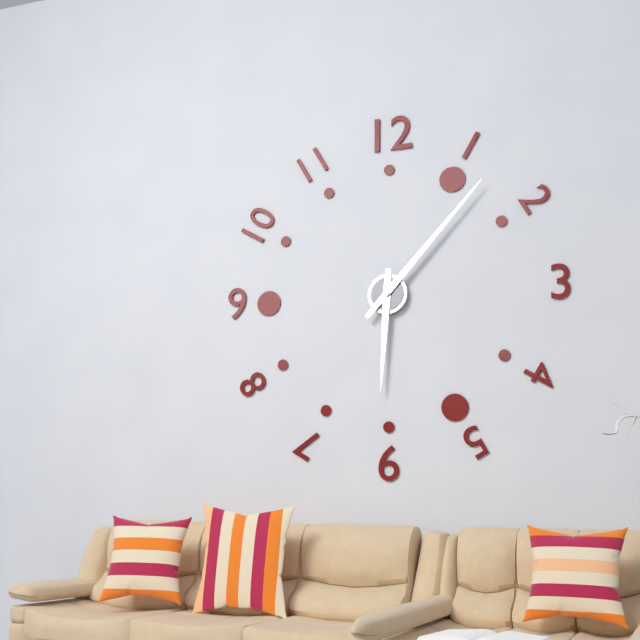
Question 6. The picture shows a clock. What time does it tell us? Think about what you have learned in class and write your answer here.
6:07
